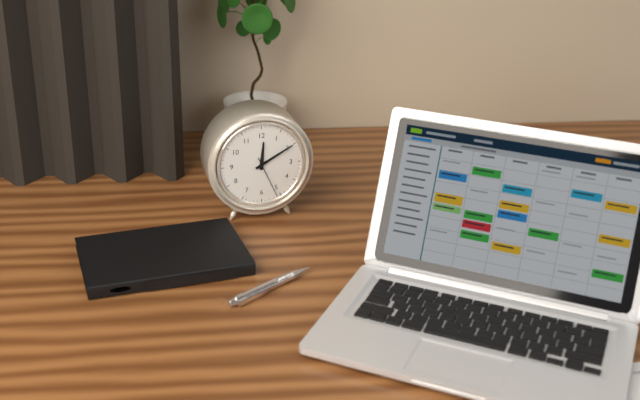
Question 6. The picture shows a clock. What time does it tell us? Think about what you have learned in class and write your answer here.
12:10
